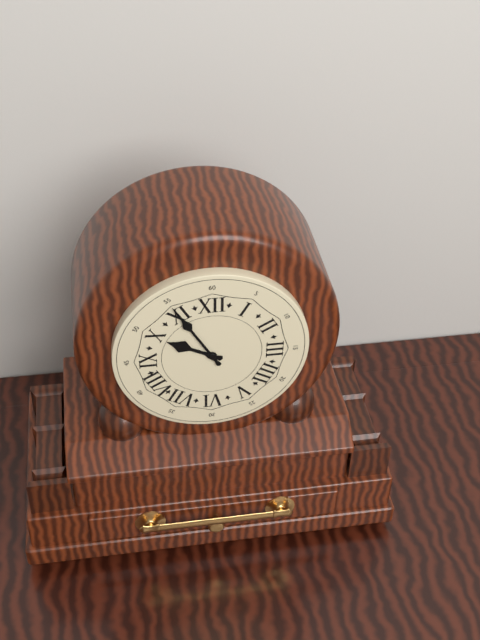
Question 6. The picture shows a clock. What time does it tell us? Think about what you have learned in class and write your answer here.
9:55
